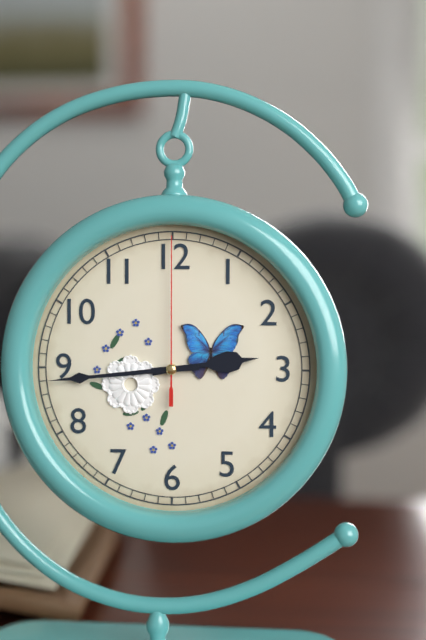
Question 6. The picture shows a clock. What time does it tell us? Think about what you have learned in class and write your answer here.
2:44:00
